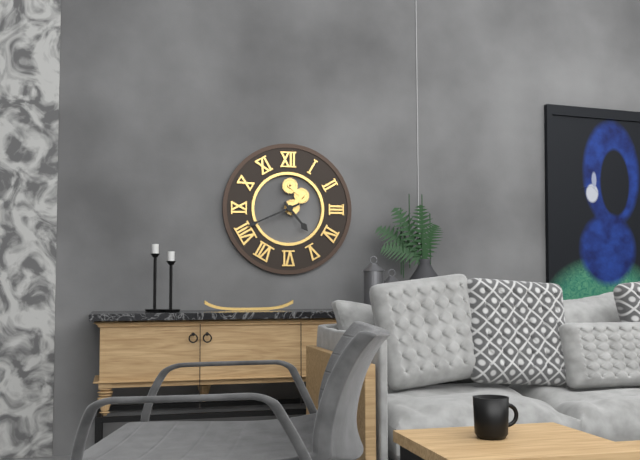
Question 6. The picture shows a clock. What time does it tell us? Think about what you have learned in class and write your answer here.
4:41
